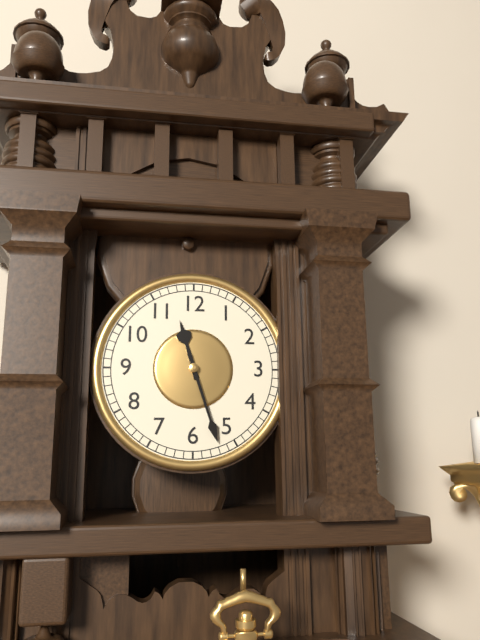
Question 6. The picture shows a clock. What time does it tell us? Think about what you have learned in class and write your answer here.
11:27
